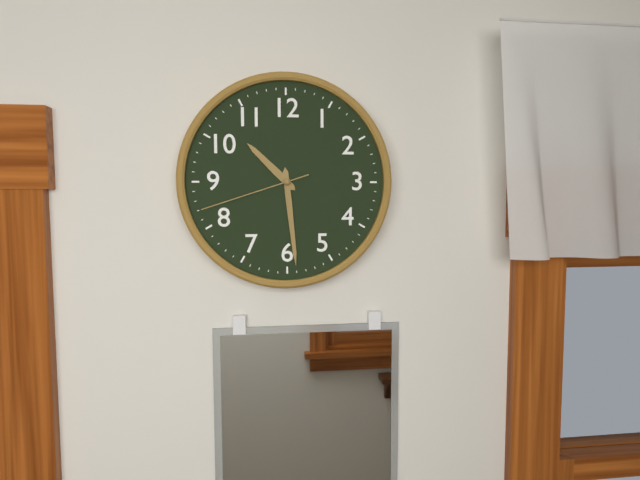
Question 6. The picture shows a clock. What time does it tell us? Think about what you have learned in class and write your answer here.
10:29:42
